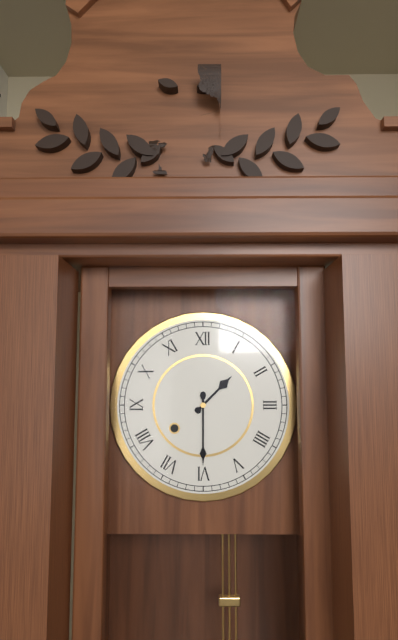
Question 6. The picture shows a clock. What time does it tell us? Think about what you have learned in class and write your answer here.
1:30
